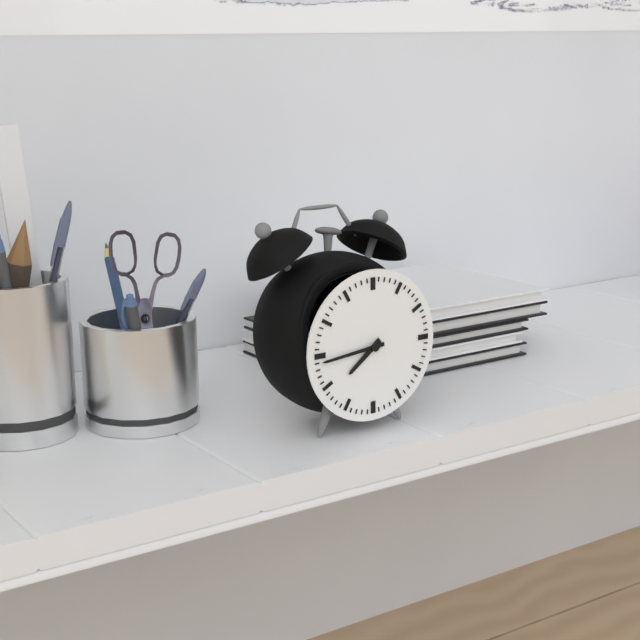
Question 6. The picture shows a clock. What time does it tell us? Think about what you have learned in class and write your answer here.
7:44
